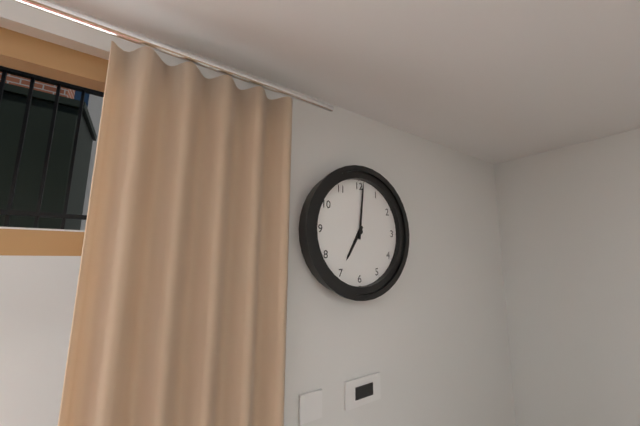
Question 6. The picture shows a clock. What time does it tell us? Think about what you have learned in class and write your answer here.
7:01
